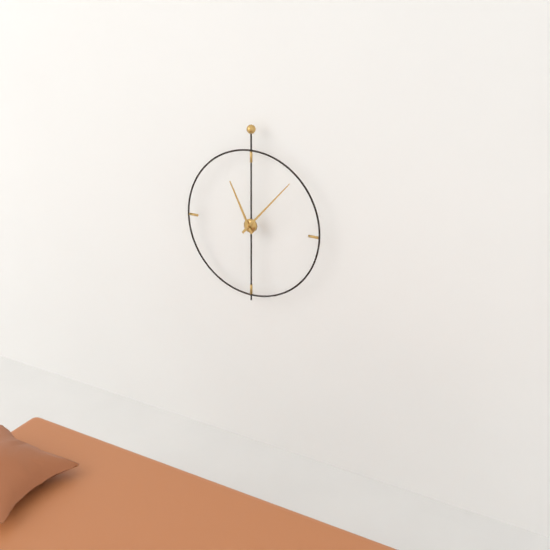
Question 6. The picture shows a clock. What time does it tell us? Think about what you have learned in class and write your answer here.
11:07
